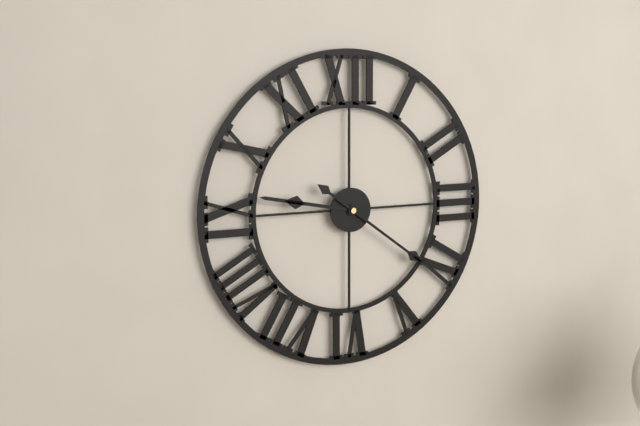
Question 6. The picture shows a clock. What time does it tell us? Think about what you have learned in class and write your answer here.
9:21
